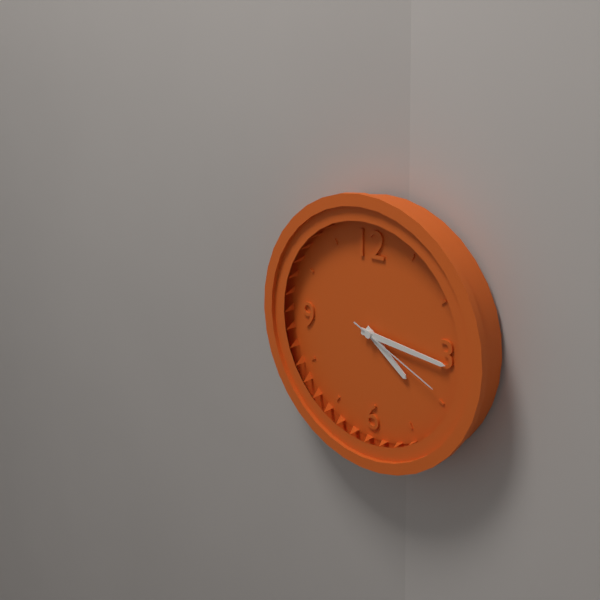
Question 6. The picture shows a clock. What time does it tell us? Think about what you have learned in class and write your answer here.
4:16:19
